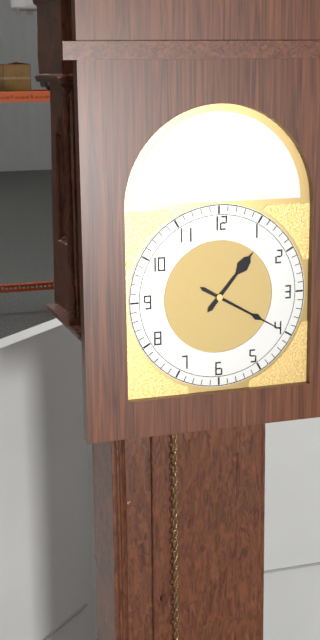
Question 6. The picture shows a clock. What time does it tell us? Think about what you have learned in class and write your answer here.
1:20
